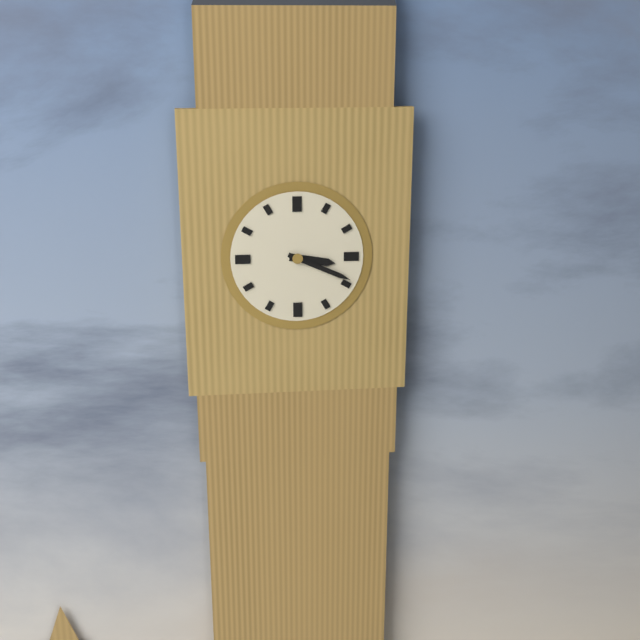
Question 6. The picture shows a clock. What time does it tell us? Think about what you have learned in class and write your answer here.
3:19
